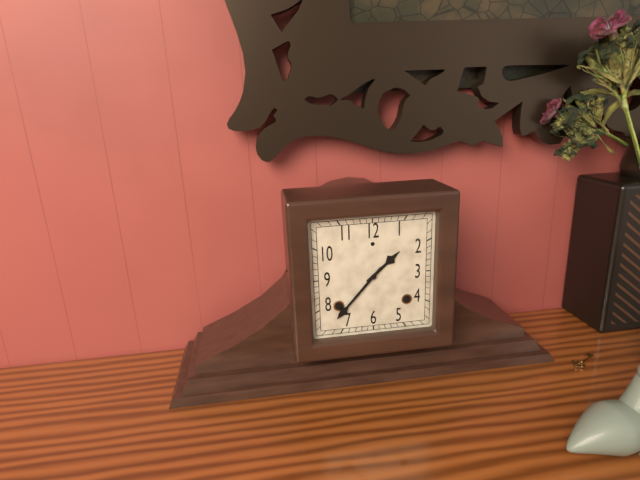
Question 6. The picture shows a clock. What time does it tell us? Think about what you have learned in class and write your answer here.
1:37
